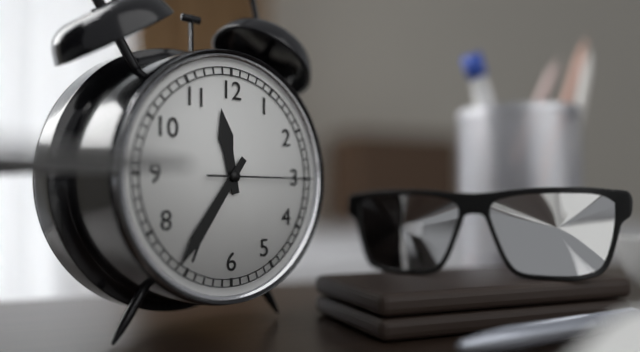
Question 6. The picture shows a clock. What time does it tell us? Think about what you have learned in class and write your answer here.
11:36:15
